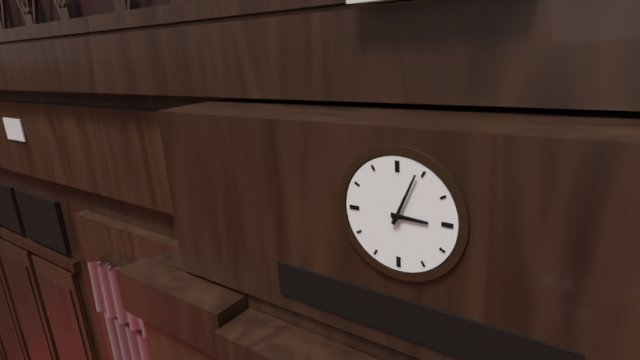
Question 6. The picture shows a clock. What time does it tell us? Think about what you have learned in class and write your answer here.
3:04
